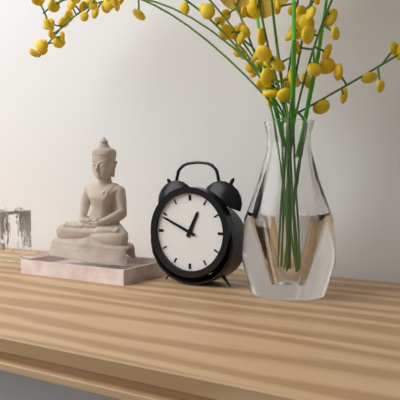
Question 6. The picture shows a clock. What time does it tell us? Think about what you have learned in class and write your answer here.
12:49
